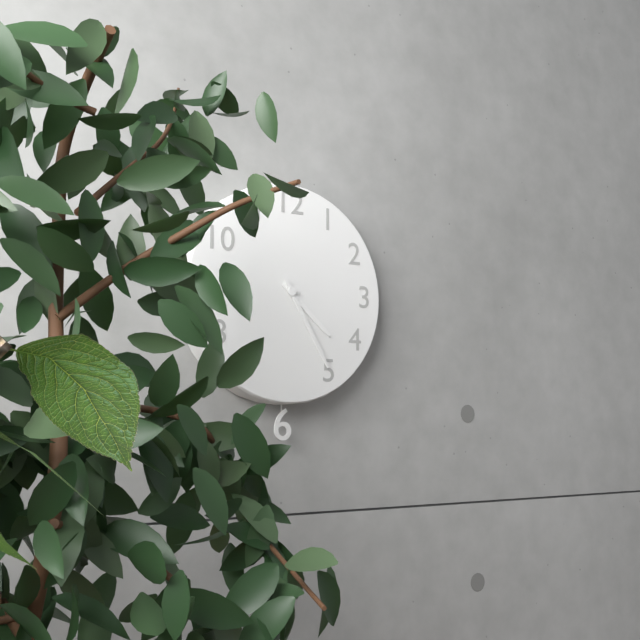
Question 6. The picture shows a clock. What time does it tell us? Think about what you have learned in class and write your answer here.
4:25
